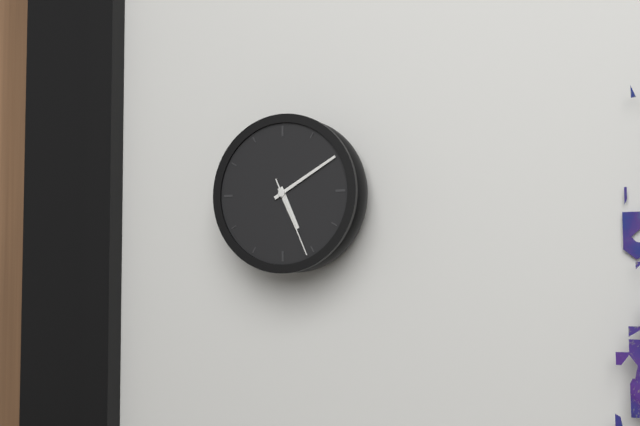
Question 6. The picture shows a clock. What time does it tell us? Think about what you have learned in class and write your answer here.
5:10:26
